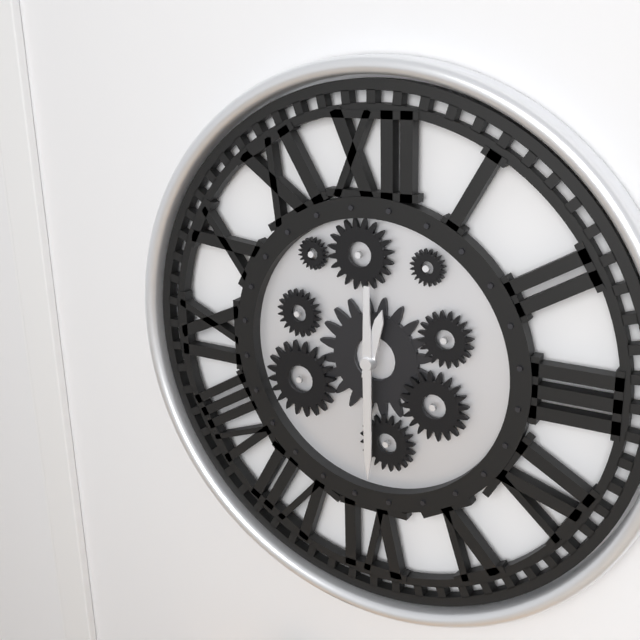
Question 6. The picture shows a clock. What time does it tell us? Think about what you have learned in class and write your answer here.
12:30
